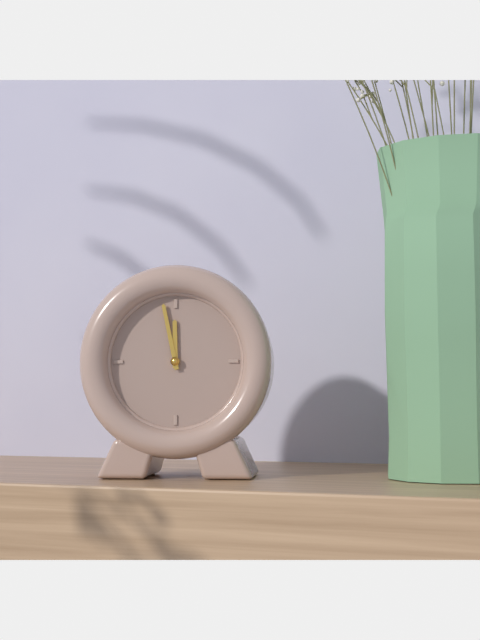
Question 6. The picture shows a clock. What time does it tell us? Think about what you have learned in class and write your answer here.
11:58
